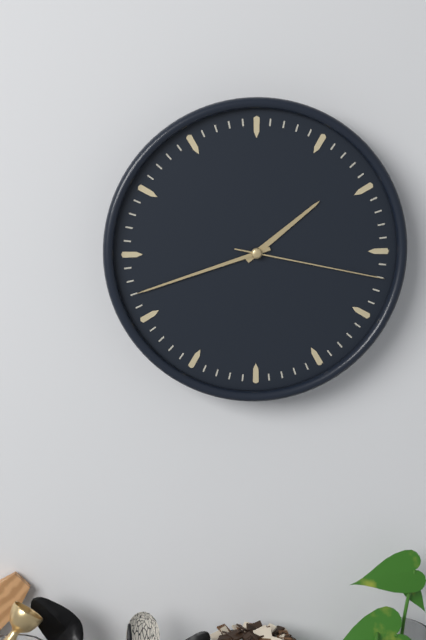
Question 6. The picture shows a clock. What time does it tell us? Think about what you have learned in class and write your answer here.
1:42:17
